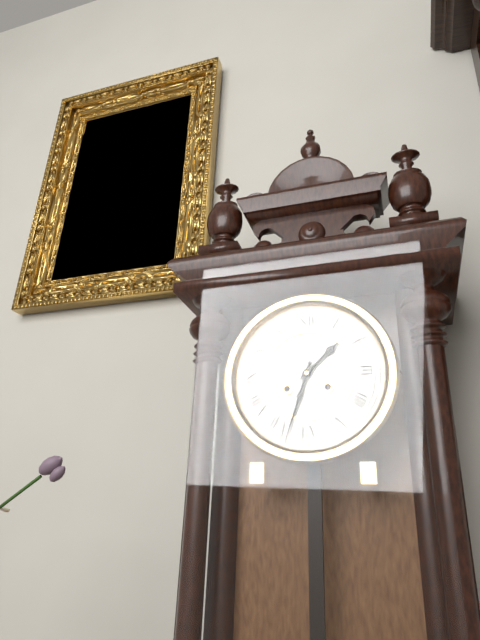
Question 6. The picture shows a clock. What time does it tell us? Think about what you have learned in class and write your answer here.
1:33
